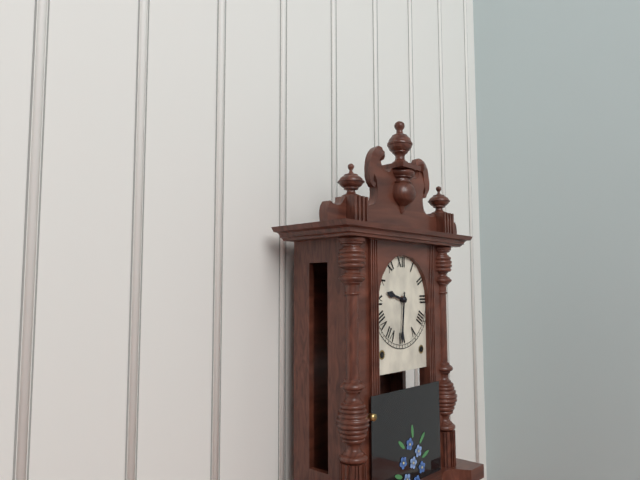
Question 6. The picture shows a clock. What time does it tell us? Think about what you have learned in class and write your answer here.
9:31
